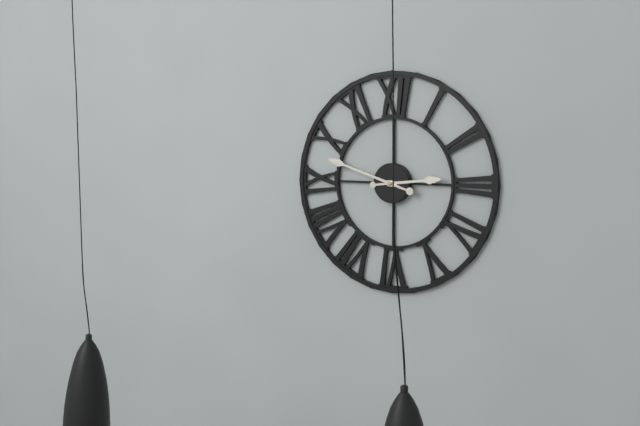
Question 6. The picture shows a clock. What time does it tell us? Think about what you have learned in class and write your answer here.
2:48
